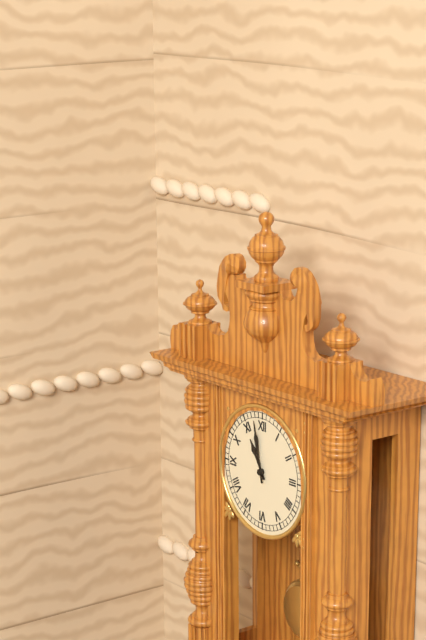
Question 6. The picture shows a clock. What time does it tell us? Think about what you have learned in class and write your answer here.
10:58
